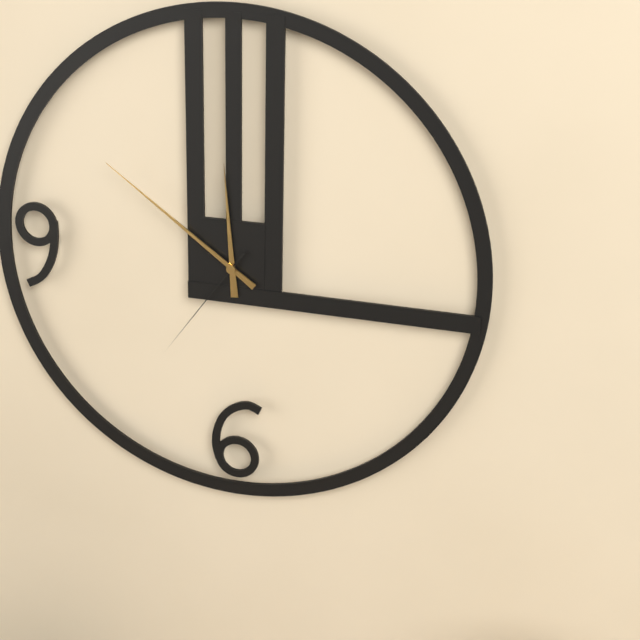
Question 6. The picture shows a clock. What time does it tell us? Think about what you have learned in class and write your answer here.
11:51:36
